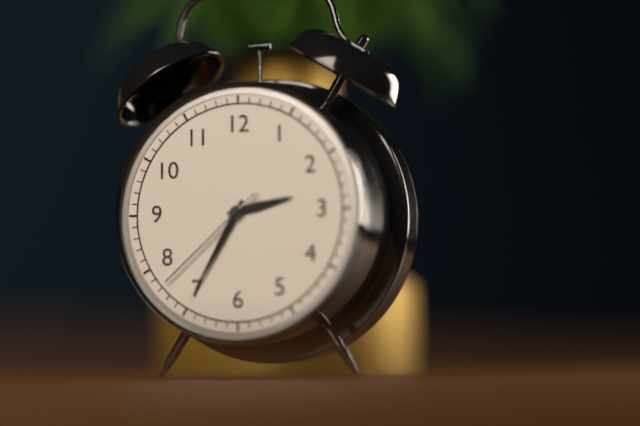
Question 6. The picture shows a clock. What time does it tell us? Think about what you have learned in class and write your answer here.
2:35:38
